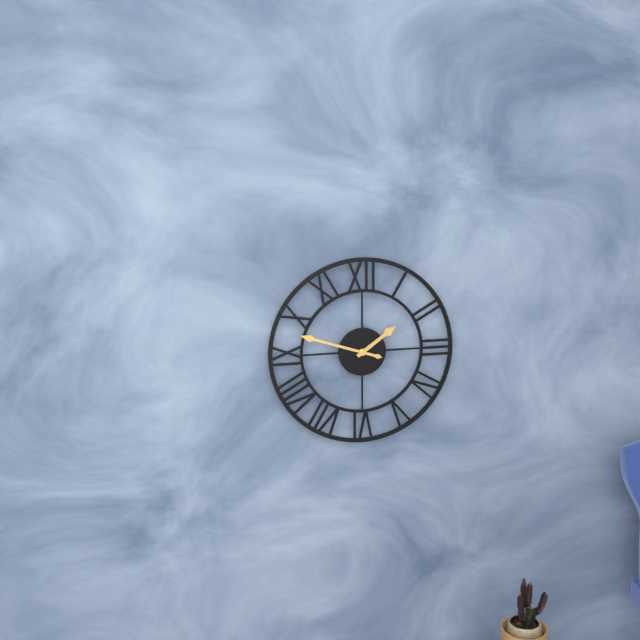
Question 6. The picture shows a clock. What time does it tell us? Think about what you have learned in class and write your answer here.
1:48
